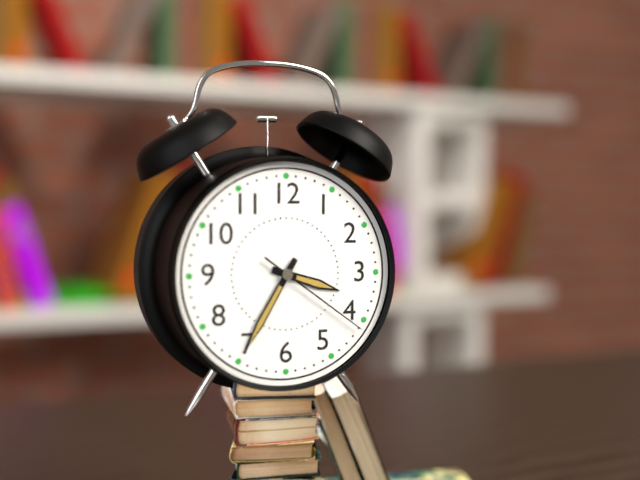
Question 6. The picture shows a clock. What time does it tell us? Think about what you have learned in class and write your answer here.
3:35:21
